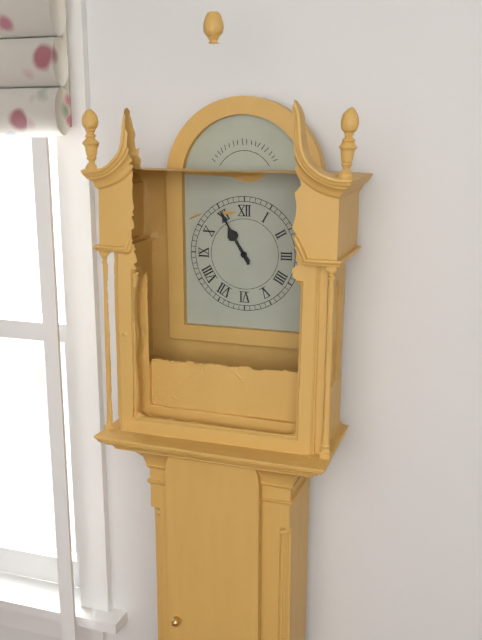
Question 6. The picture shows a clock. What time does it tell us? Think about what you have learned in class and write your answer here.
10:55
